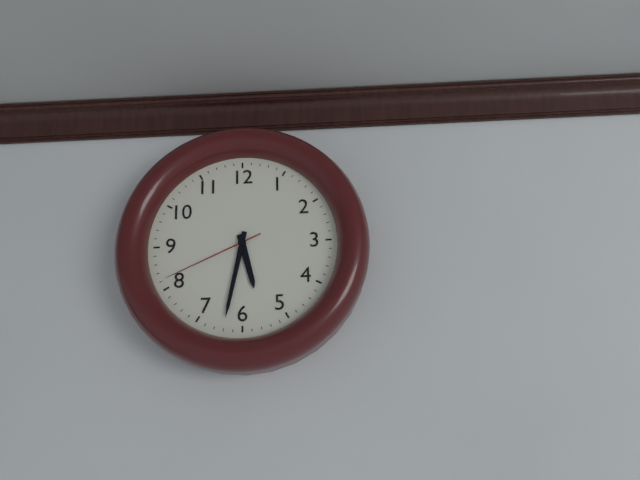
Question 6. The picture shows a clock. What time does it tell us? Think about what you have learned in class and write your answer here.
5:32:41
